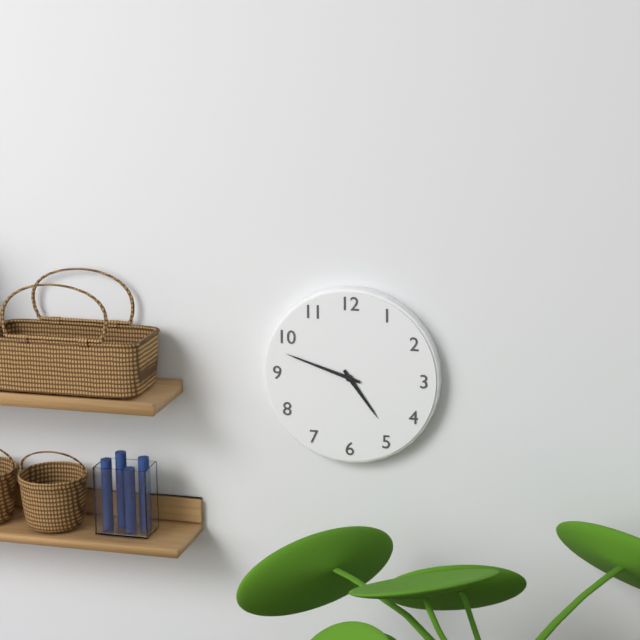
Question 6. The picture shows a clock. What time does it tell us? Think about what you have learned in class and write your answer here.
4:48
